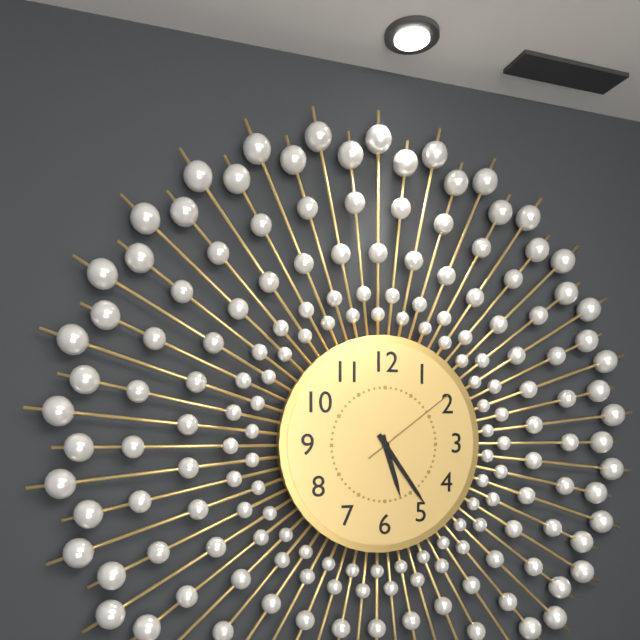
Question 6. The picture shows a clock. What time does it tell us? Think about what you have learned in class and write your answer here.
5:24:09
